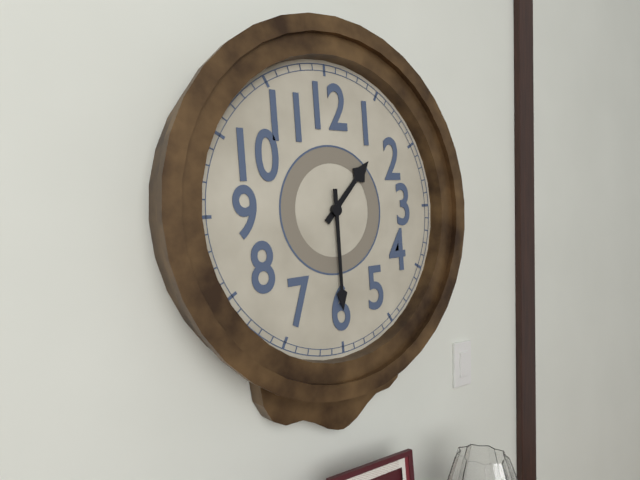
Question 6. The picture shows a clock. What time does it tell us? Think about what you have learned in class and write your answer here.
1:30
